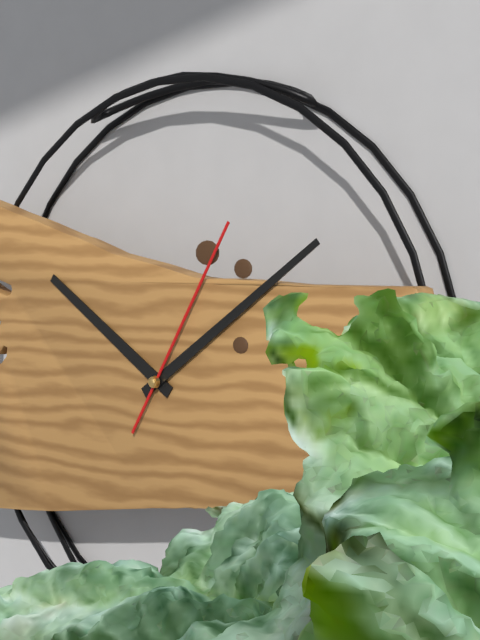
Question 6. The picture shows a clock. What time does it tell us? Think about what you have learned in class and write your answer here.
10:09:05
